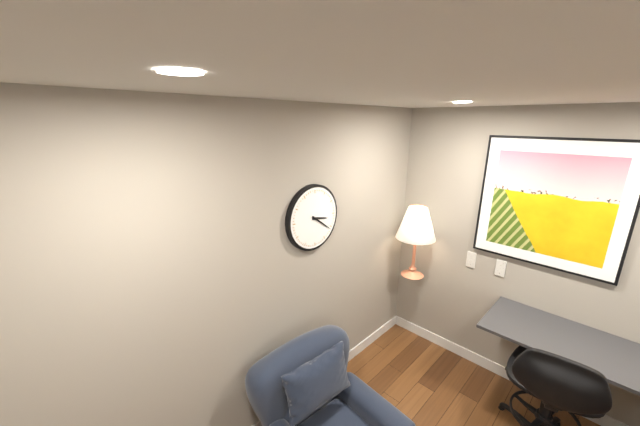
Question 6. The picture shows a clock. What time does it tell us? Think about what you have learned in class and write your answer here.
3:21
